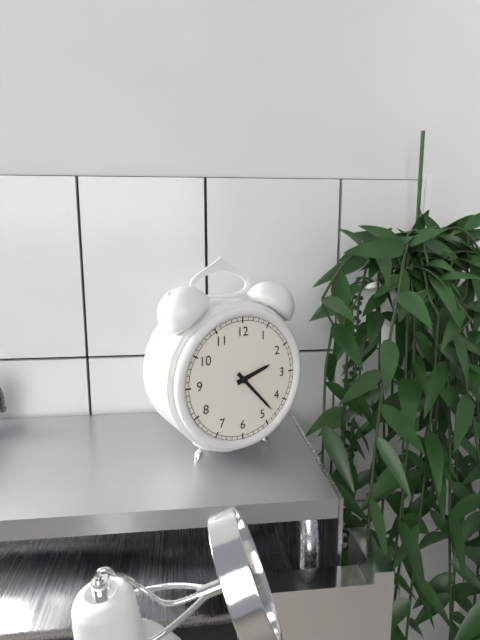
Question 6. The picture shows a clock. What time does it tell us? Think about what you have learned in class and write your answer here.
2:23
